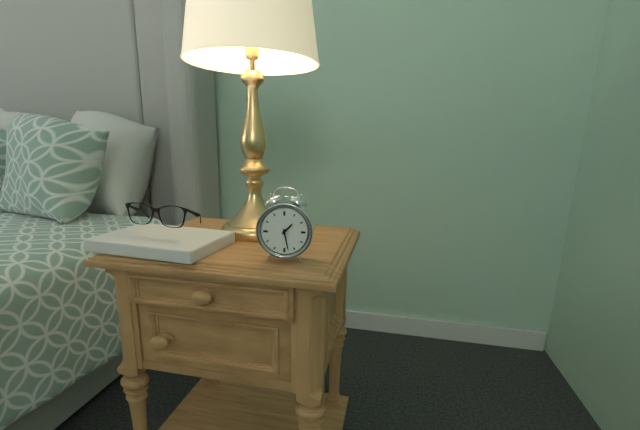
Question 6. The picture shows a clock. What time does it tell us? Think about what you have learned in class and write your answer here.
1:28
